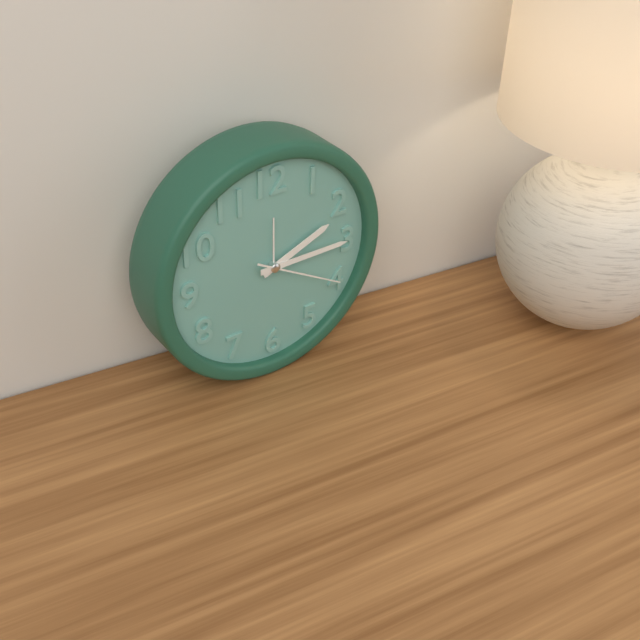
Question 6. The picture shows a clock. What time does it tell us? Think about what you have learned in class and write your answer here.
2:15:20
